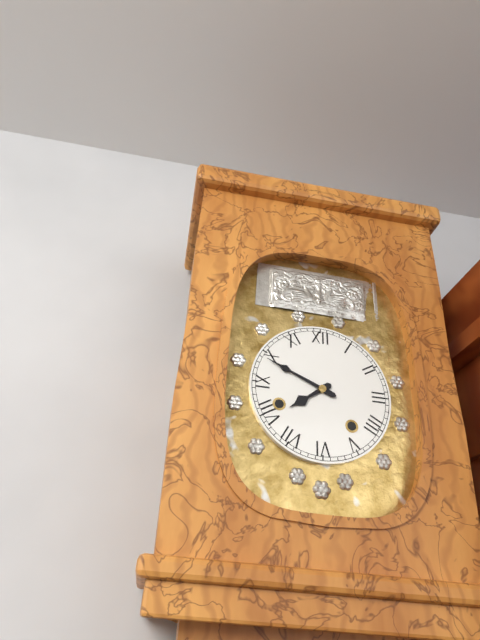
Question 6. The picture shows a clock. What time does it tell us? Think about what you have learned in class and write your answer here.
7:49
